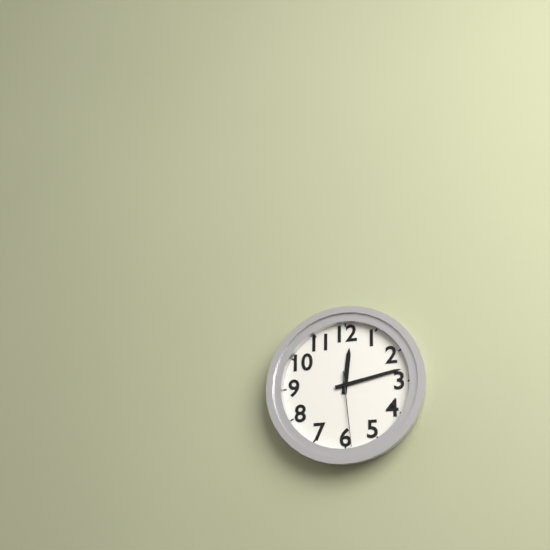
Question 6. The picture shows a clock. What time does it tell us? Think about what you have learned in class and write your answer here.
12:13:29
